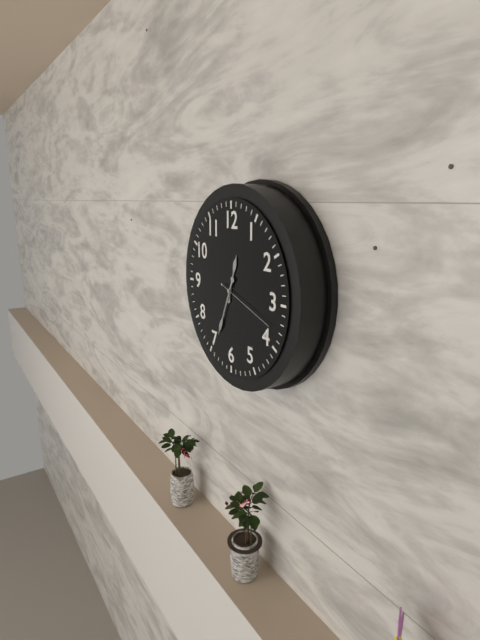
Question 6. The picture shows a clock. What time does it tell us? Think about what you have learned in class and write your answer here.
12:34:18
